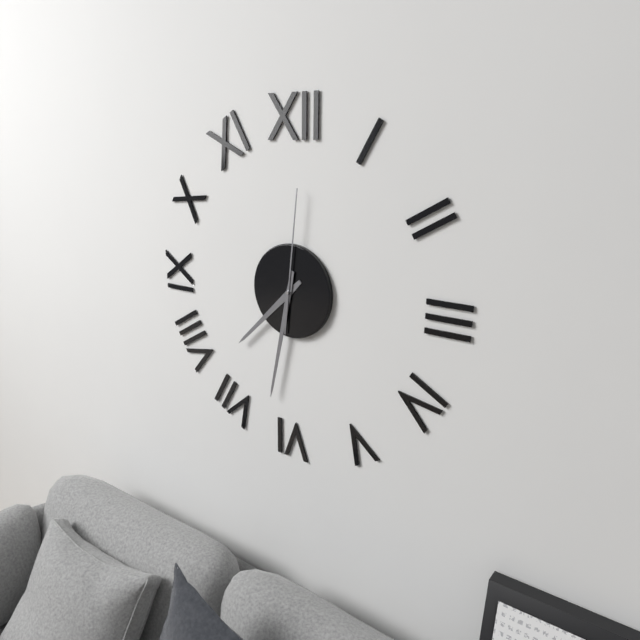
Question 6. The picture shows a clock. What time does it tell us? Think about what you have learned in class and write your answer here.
7:32:01
